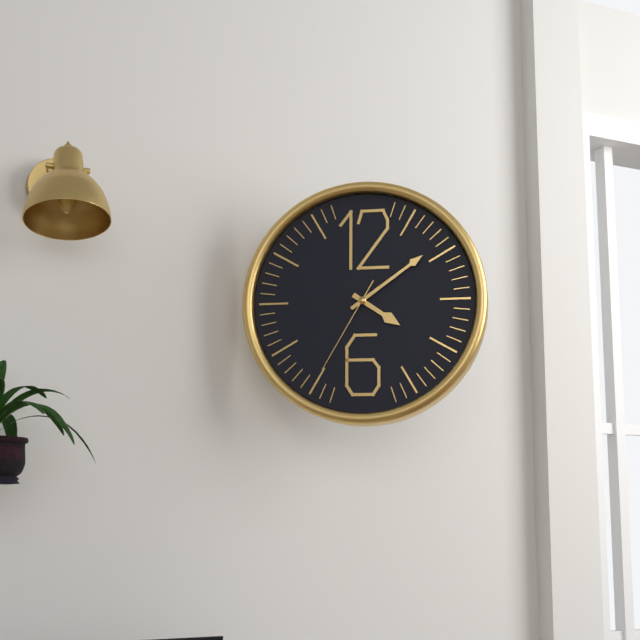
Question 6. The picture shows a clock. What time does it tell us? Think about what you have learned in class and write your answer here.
4:09:35
